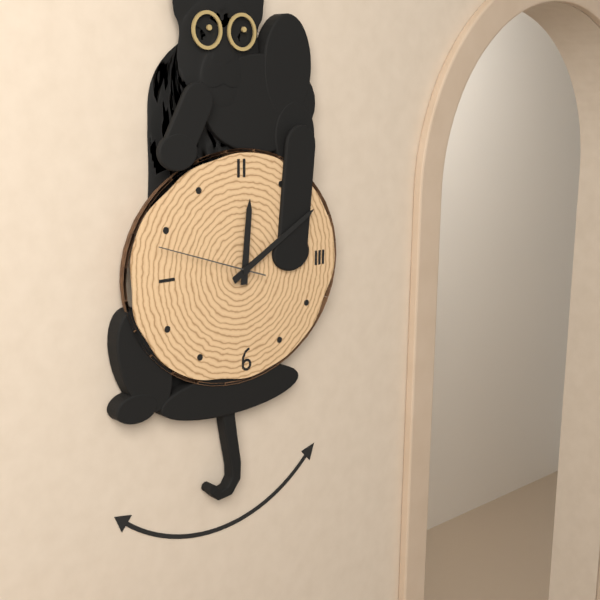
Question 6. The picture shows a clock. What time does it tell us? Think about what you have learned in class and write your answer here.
12:10:48
